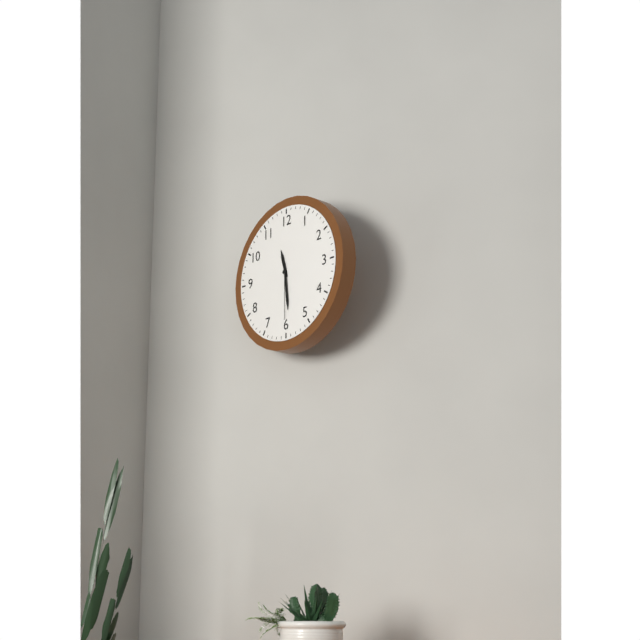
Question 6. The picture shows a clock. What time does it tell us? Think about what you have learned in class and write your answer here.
11:29:30
